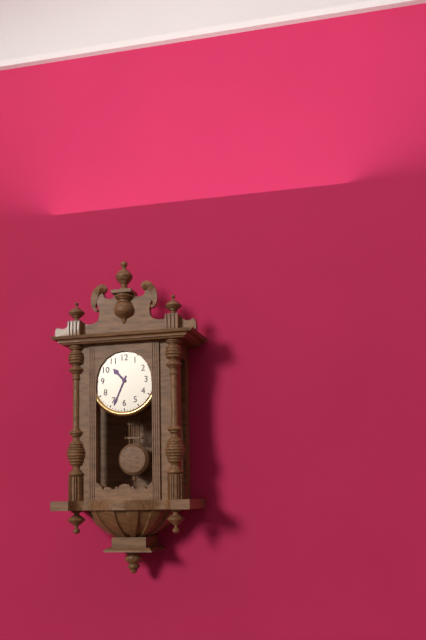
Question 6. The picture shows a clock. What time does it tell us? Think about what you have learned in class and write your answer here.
10:34
